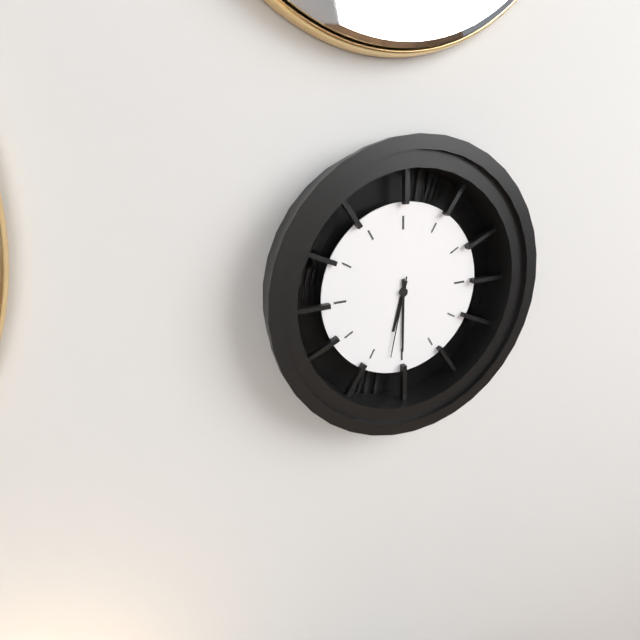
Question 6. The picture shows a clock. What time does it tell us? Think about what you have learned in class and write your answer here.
6:30:32
